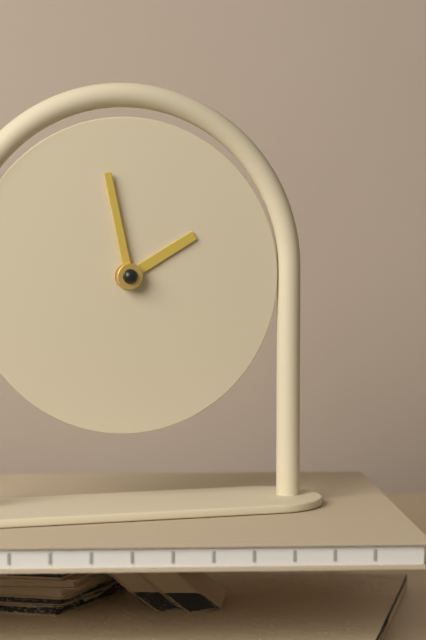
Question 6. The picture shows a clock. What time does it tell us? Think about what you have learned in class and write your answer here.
1:58
